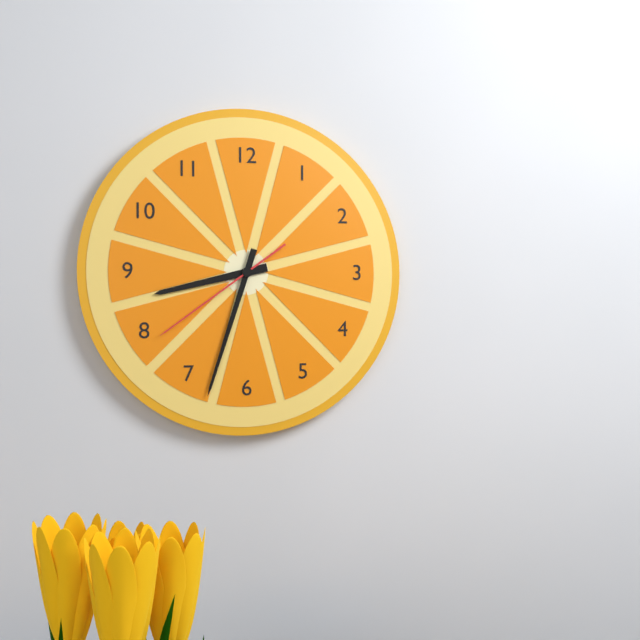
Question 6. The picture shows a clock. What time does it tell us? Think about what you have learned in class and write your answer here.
8:33:39
